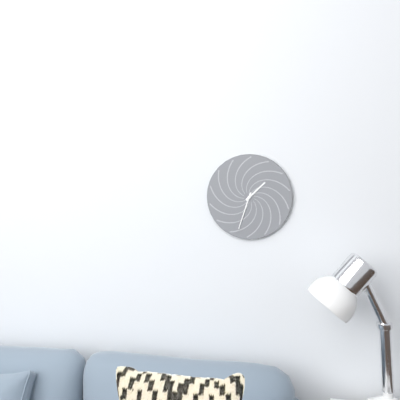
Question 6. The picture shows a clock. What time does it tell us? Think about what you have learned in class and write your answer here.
1:33
